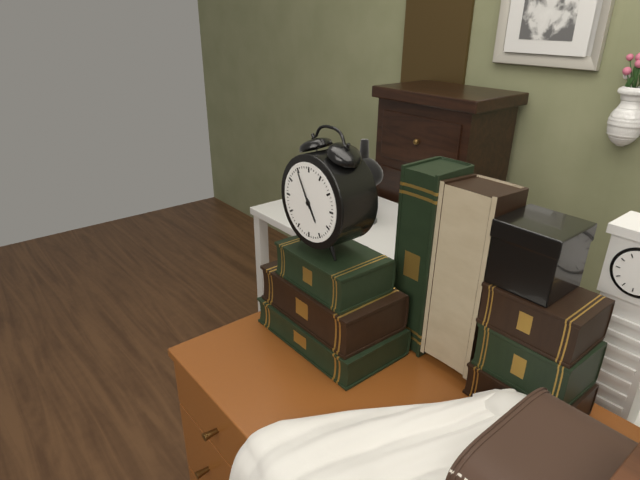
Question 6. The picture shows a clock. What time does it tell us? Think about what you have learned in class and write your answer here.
4:55
